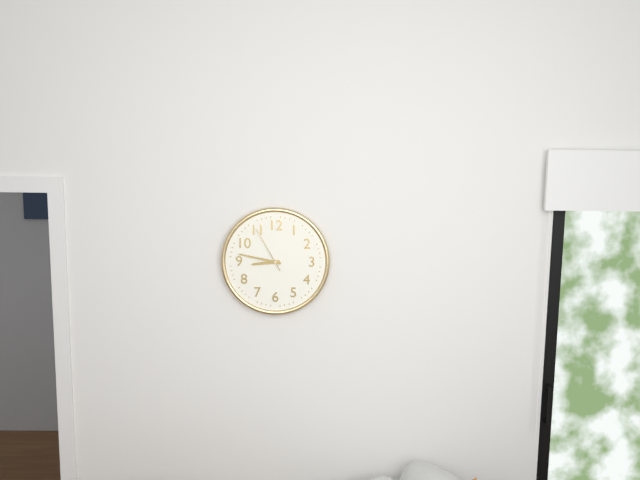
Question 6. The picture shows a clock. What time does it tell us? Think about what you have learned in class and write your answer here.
8:47
